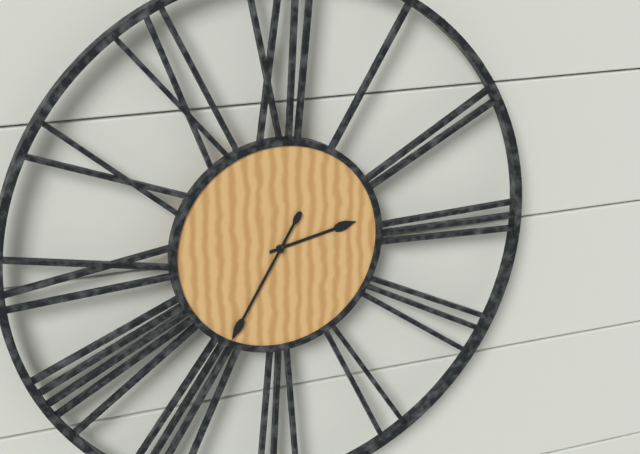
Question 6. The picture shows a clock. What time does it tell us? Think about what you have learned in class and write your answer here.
2:35
